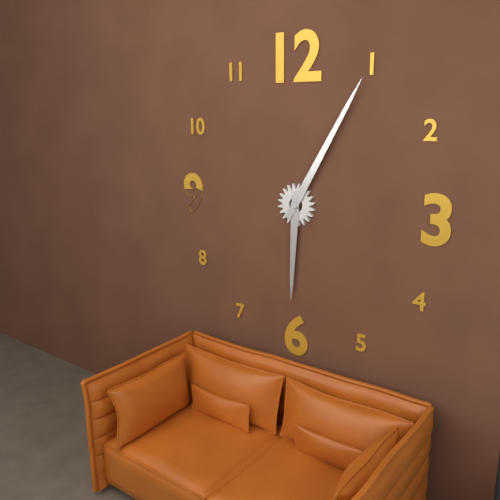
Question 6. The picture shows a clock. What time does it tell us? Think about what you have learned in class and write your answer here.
6:05
